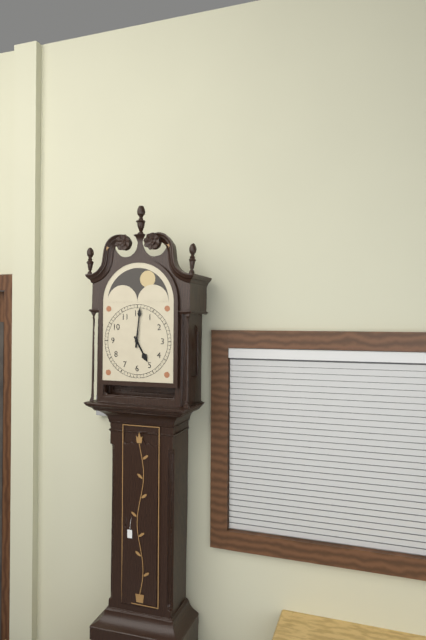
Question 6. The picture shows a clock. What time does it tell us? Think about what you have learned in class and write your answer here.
5:01
